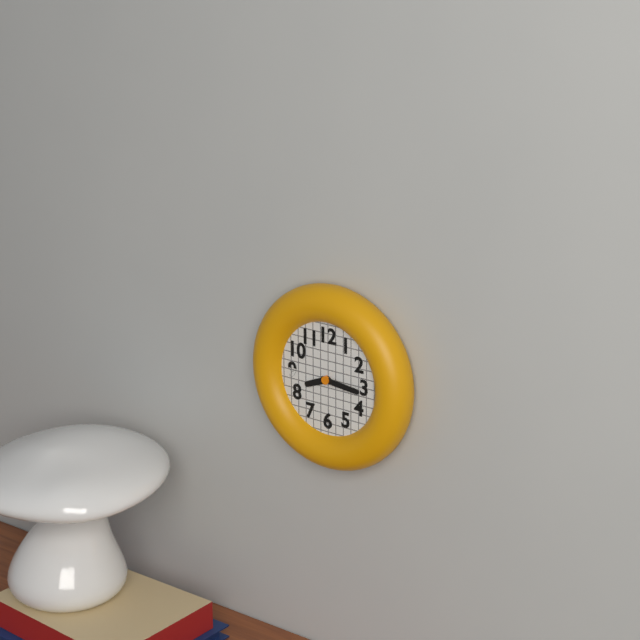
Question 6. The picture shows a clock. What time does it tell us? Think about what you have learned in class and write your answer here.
8:16
